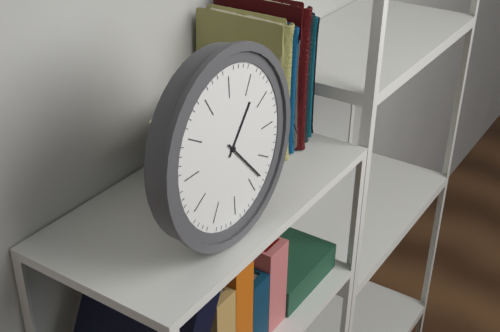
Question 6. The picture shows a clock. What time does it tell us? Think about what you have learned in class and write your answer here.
1:23
